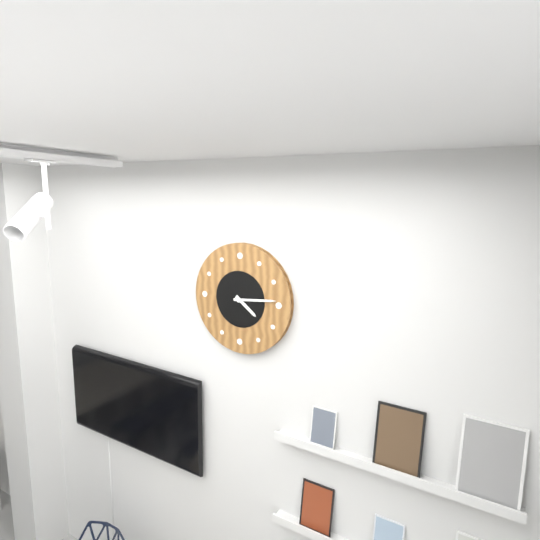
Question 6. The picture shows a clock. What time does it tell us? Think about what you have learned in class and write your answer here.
4:14
